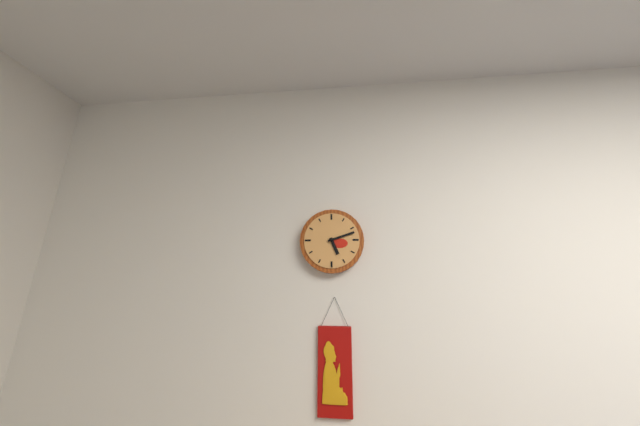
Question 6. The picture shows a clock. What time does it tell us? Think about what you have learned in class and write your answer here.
5:12
